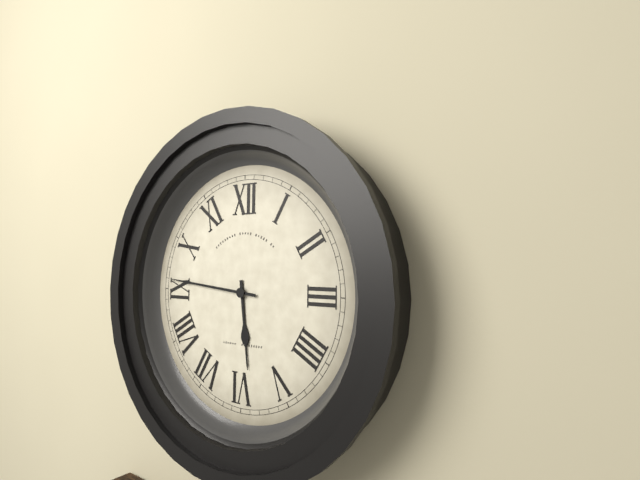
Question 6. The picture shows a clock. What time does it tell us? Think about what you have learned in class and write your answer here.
5:46
